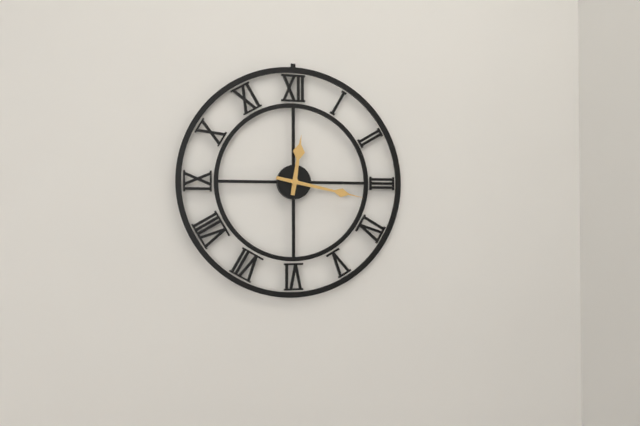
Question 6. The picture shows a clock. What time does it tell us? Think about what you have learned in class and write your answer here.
12:17
